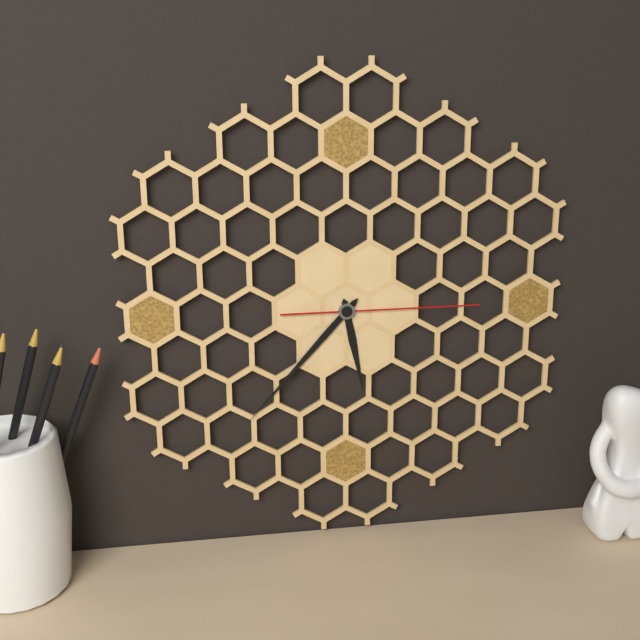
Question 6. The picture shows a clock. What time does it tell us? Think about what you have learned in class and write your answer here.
5:37:15
